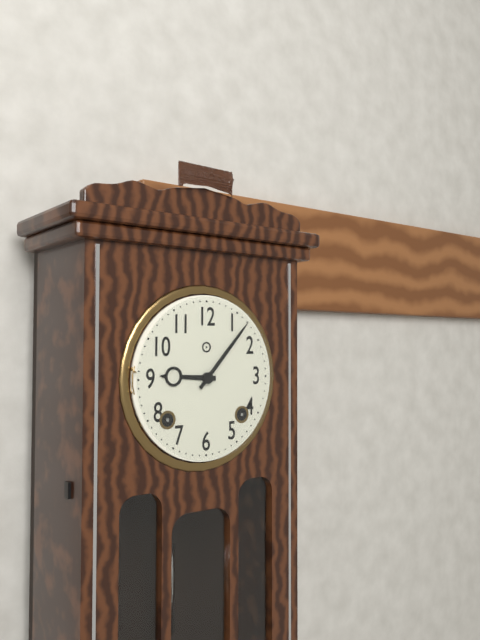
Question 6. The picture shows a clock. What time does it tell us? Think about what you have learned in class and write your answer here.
9:07
